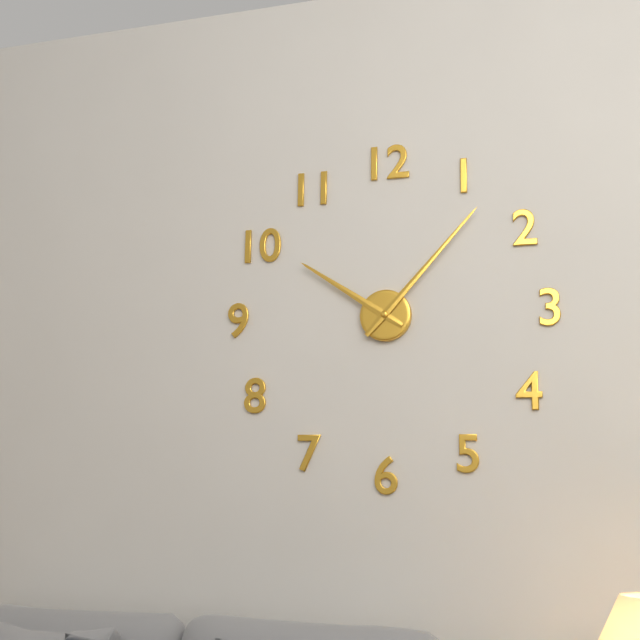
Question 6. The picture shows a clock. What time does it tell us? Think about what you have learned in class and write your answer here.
10:07
